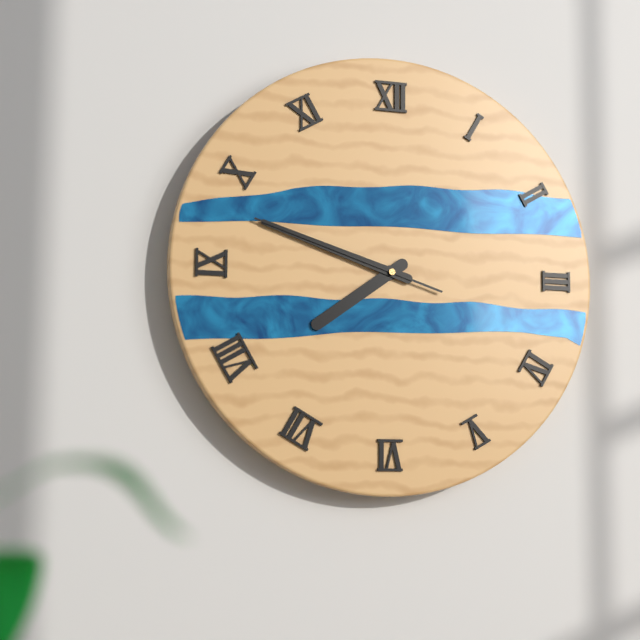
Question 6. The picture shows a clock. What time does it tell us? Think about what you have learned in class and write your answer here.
7:48:48
